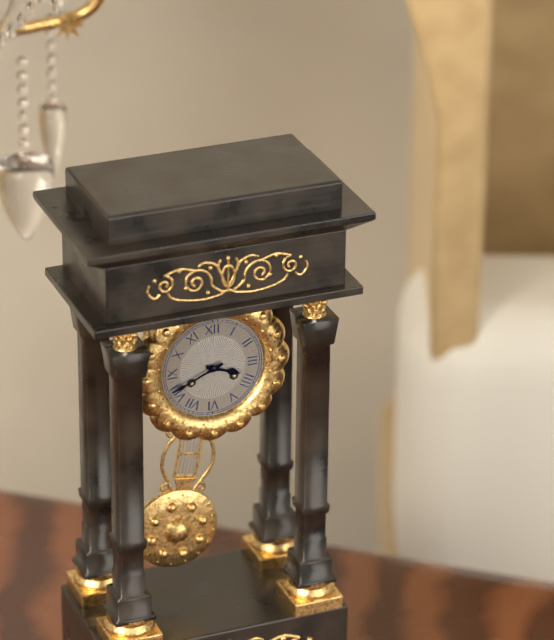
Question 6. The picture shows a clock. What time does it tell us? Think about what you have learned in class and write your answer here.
3:41
